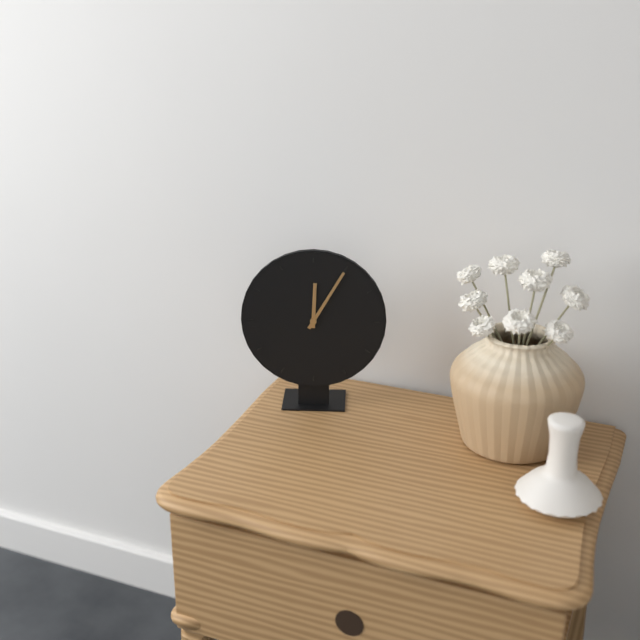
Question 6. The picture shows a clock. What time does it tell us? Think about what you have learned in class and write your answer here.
12:05
